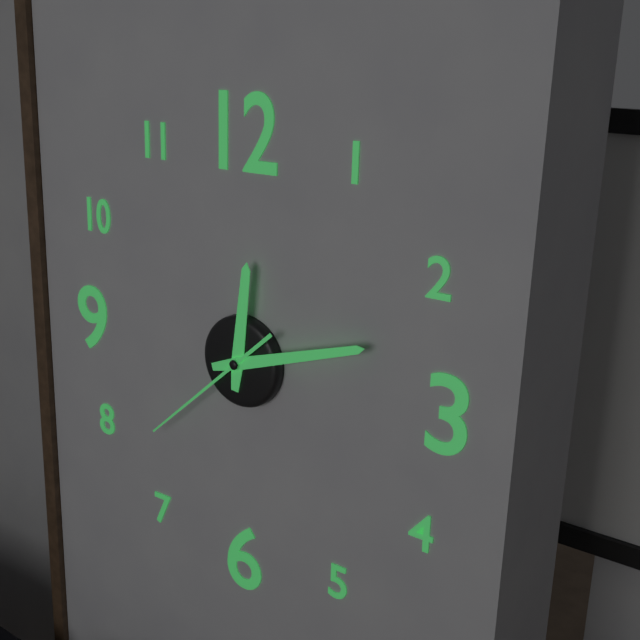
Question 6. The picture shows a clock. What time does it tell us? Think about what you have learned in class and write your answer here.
12:12:38
